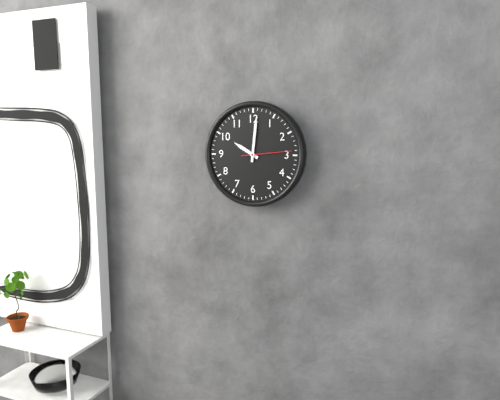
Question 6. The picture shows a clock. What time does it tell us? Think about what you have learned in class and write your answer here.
10:01
